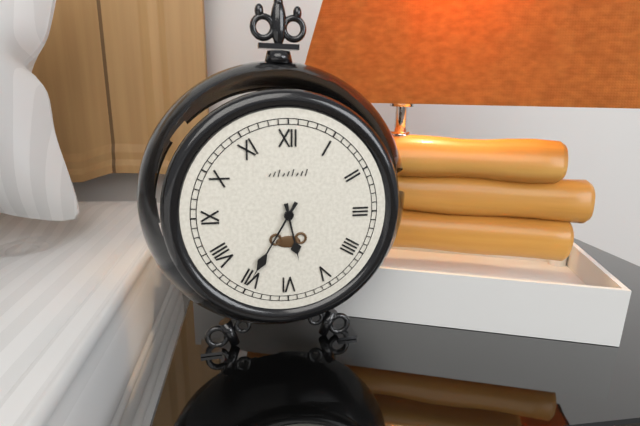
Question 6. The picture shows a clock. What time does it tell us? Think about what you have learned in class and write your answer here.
5:35
